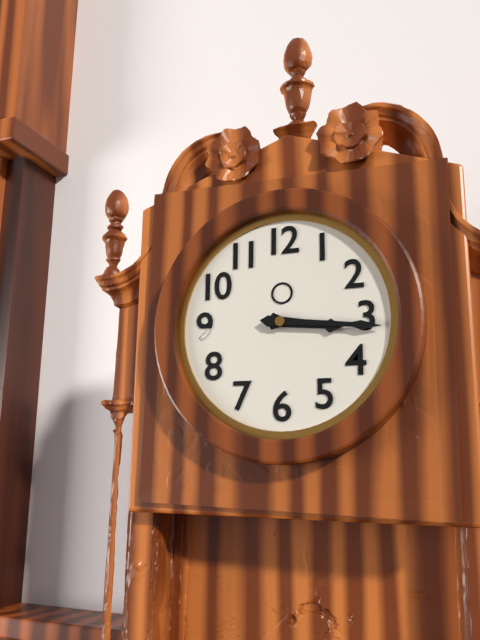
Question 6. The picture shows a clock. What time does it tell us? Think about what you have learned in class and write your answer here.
3:16
